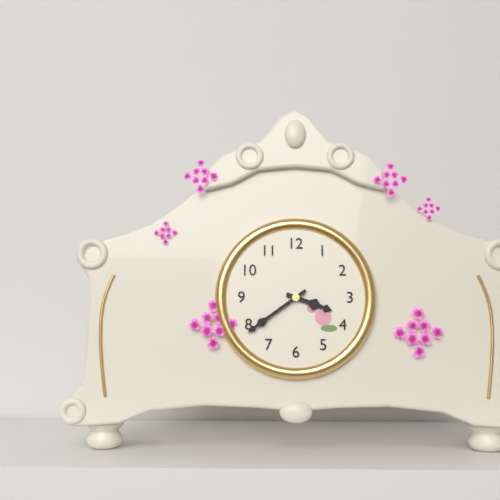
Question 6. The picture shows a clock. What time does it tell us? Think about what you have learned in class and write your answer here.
3:39
